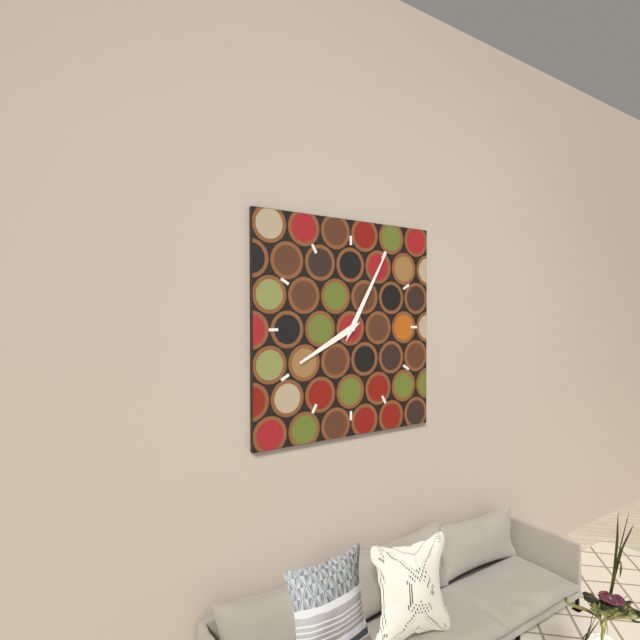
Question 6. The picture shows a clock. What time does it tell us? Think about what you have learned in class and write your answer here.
8:05
